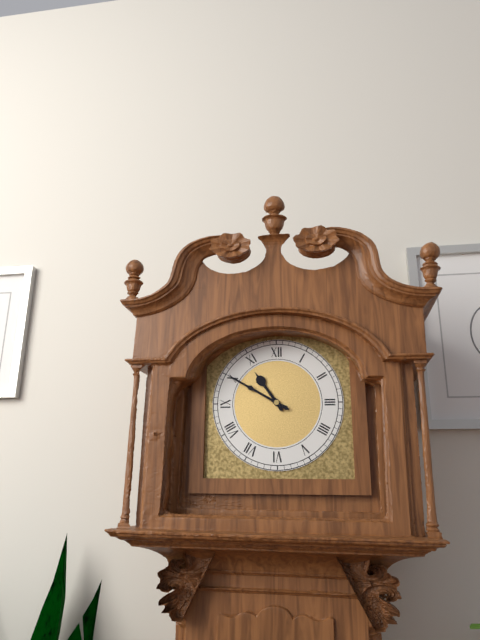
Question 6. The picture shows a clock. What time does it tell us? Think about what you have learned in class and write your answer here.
10:50
